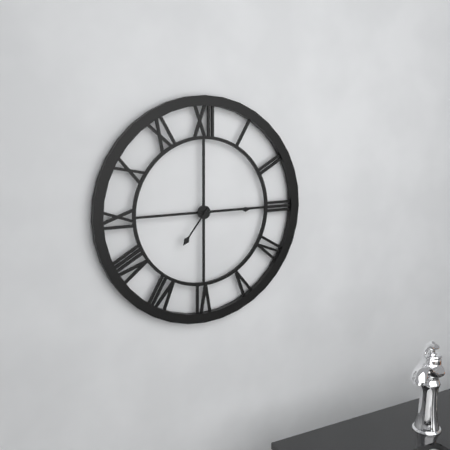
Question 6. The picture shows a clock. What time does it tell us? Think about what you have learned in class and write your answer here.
7:15
